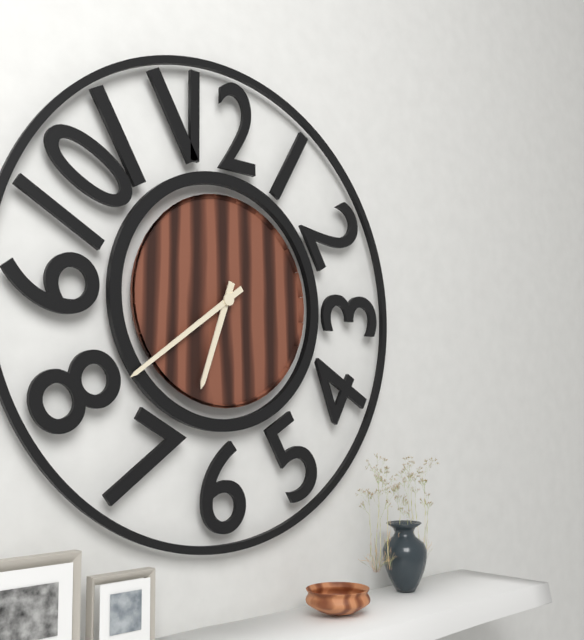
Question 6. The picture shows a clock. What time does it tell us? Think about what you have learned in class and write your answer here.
6:39
